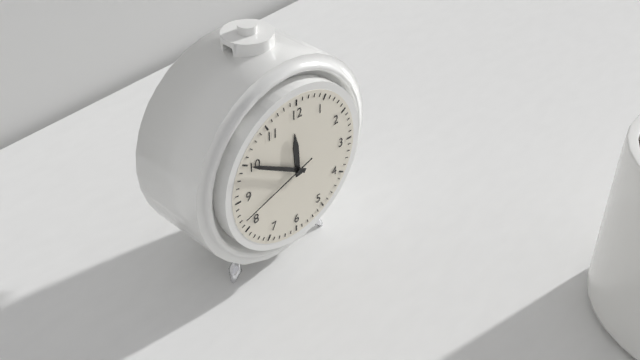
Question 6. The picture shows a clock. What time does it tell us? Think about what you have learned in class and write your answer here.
11:50:42
